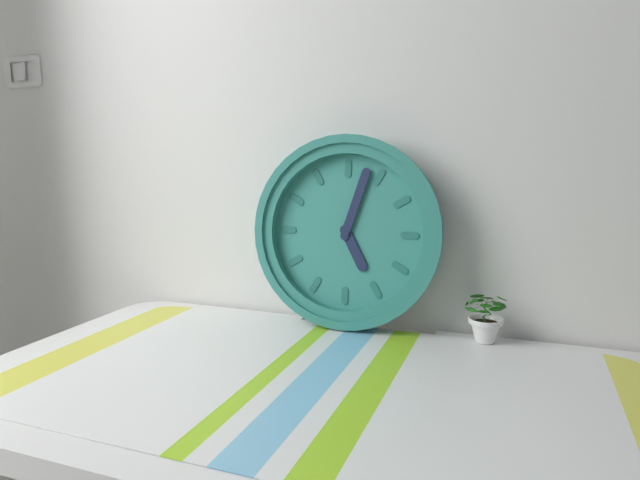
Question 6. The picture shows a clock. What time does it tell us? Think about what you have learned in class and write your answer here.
5:03
